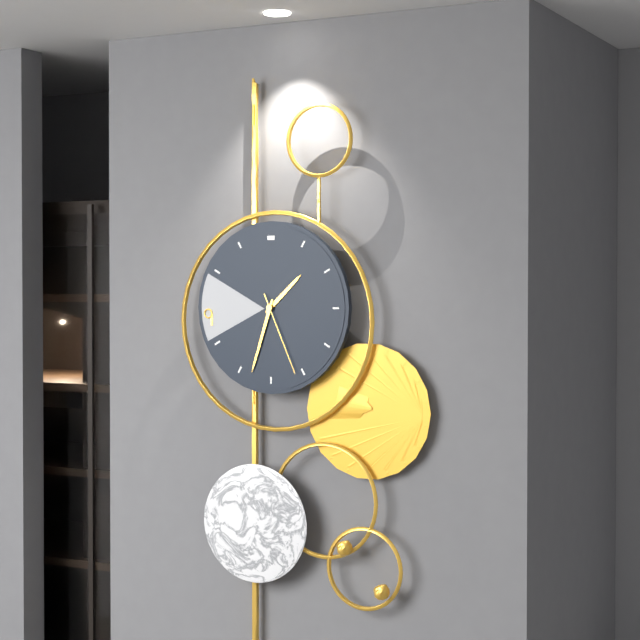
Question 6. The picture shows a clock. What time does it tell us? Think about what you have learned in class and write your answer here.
1:33:26
